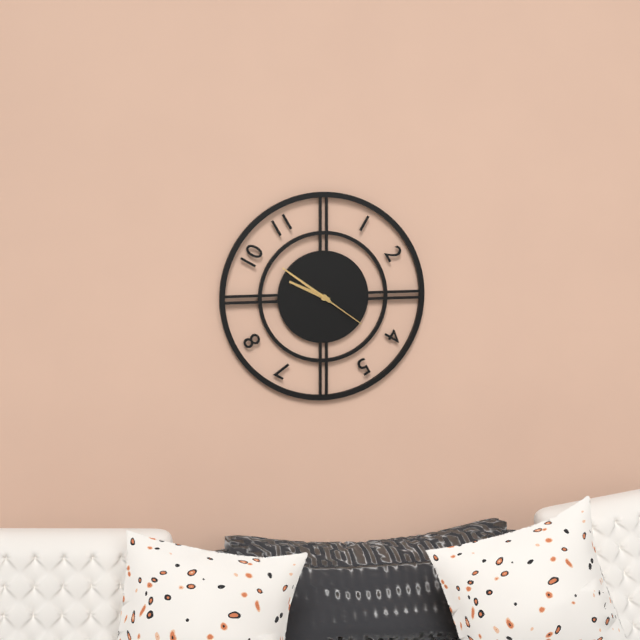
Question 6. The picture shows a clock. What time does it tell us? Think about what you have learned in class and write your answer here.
9:51:21
